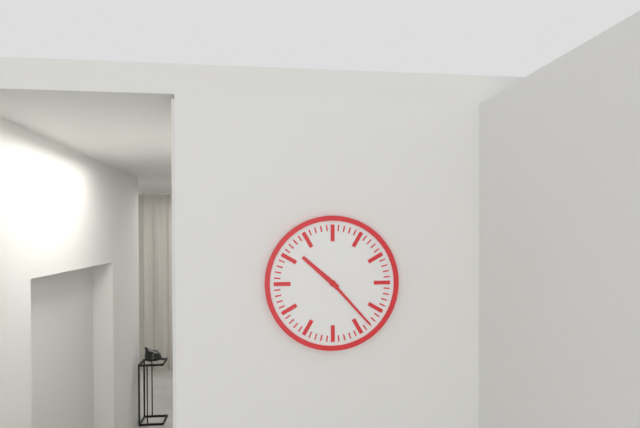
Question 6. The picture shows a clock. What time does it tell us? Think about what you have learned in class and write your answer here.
10:23
